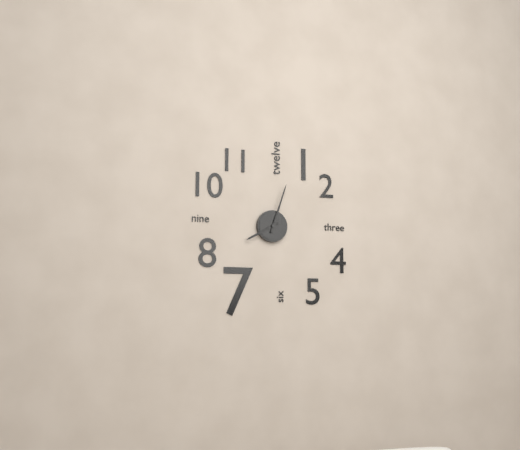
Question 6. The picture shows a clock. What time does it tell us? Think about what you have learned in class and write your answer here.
8:03
